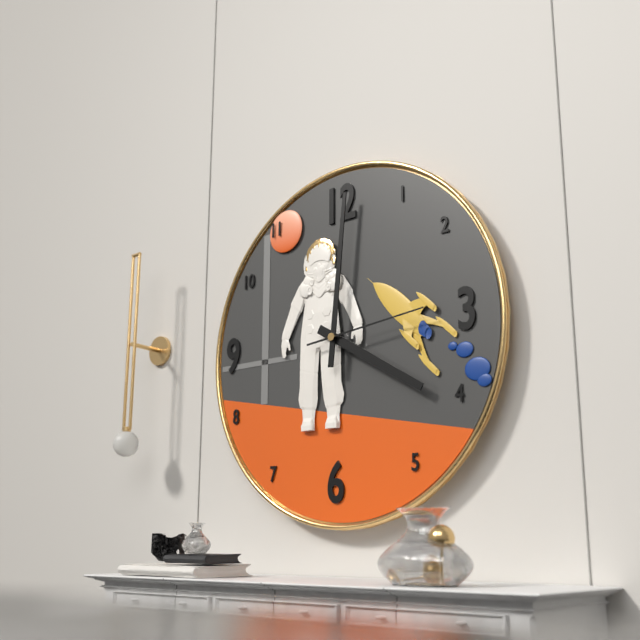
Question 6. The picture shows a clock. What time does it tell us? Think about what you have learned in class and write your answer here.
4:01:14
